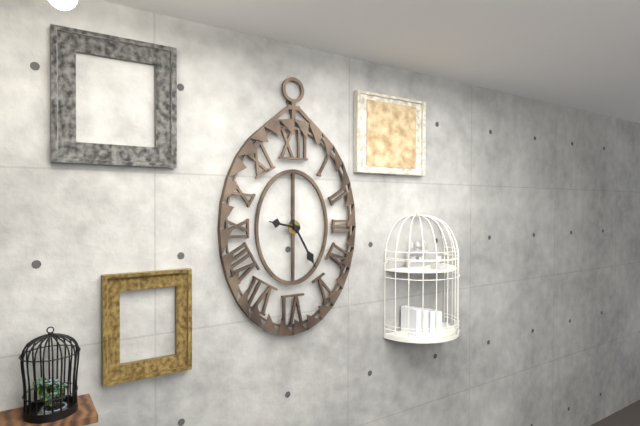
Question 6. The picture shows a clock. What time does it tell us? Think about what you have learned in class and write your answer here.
9:25
